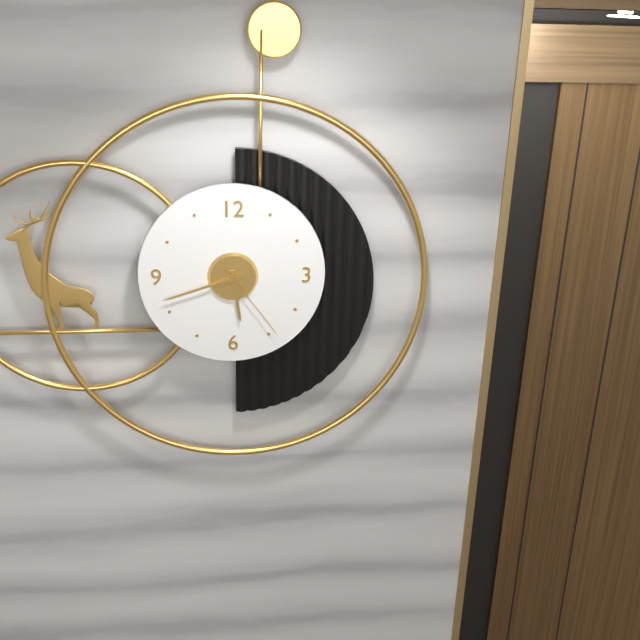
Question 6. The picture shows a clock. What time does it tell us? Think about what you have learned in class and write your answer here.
5:42:24
